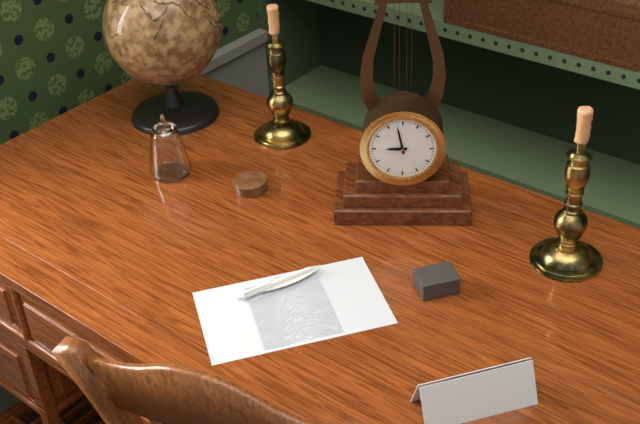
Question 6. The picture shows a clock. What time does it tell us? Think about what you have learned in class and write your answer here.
8:58
